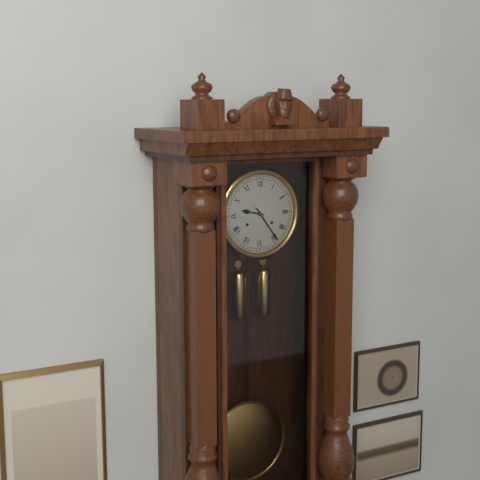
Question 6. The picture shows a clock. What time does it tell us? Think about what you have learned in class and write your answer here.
9:24
